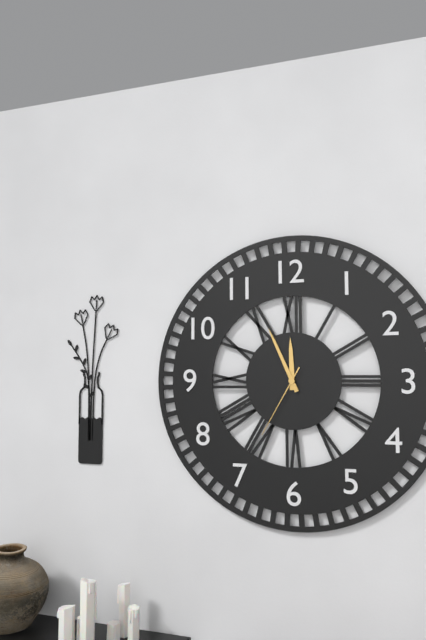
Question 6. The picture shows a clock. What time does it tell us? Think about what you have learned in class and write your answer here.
11:56:35
